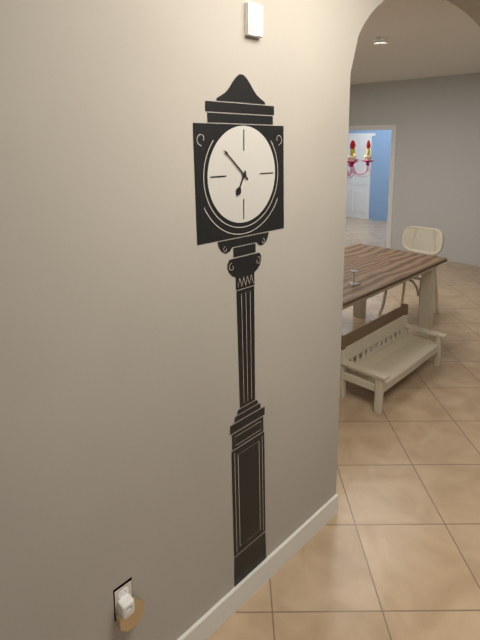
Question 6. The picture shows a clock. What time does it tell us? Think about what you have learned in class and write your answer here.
6:52
